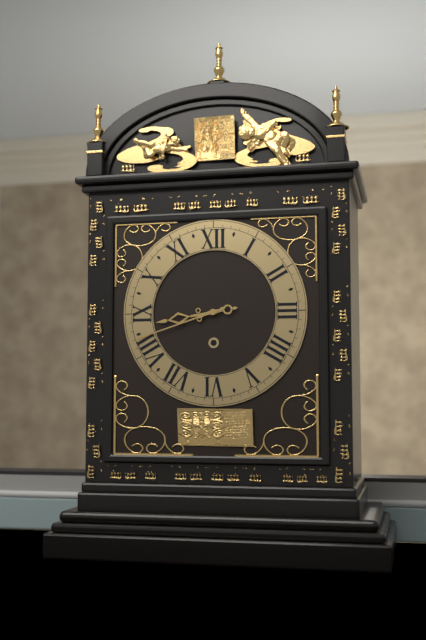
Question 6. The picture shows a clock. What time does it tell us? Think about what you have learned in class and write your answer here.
8:42
